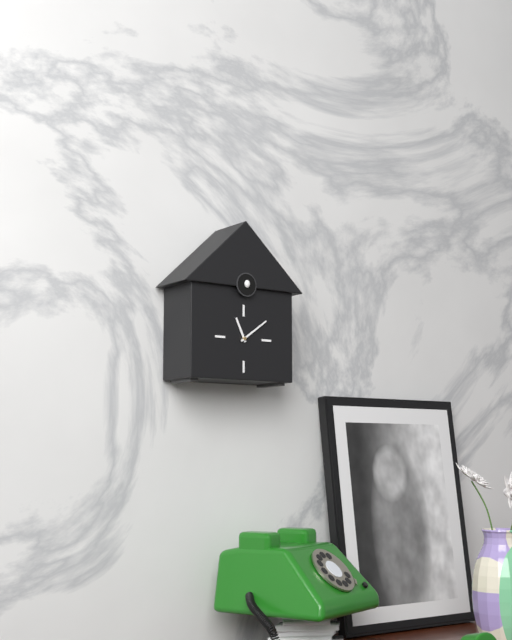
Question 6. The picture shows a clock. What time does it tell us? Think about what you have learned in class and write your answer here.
11:09
